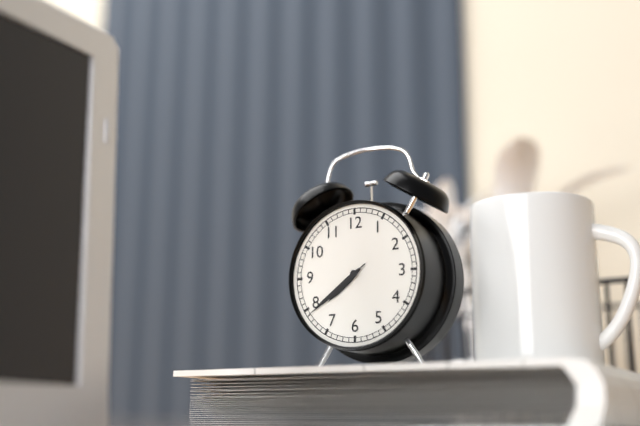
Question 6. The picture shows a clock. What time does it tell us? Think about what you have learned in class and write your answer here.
7:39:39
